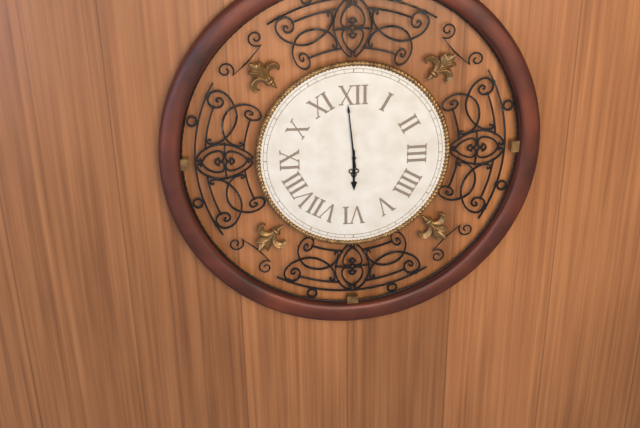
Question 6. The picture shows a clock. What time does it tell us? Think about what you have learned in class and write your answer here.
5:59
